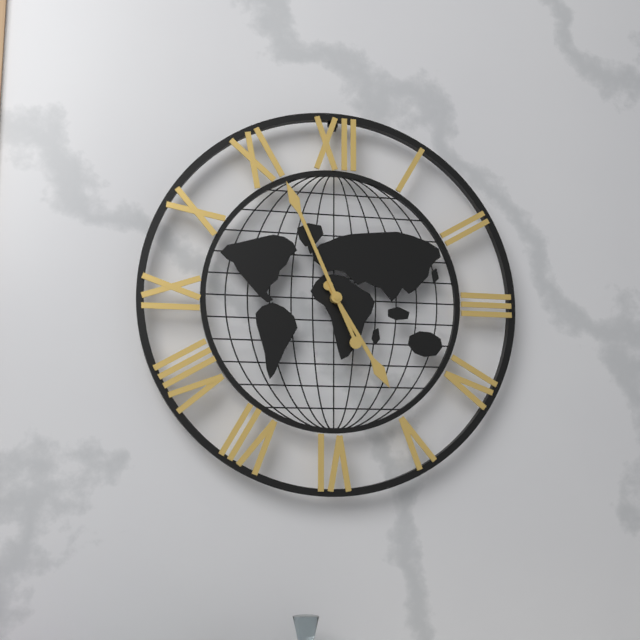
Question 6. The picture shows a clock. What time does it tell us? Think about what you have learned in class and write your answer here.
4:56
